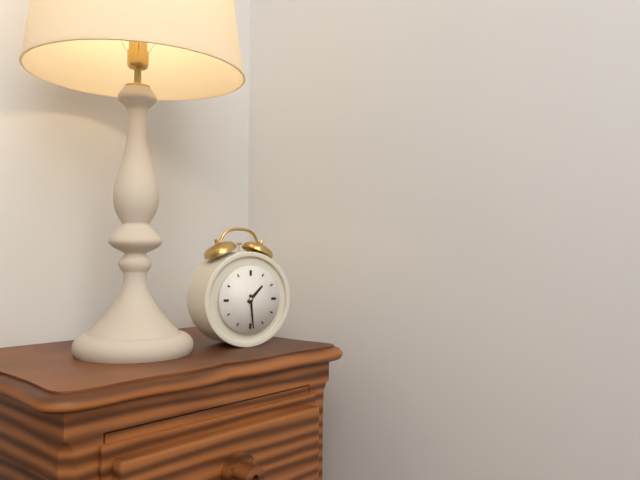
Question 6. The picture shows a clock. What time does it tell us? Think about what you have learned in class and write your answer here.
1:29
